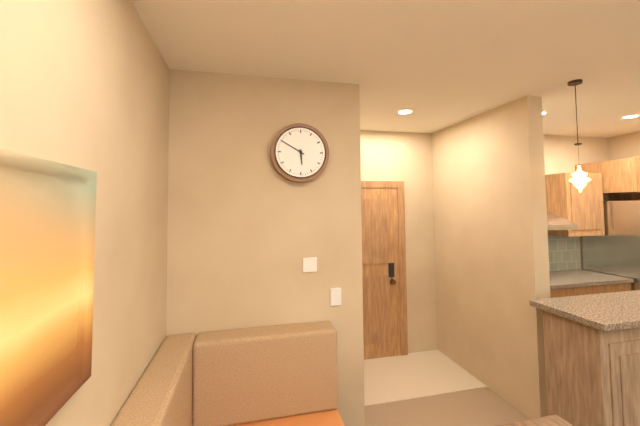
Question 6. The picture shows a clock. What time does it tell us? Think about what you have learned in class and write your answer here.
5:50
